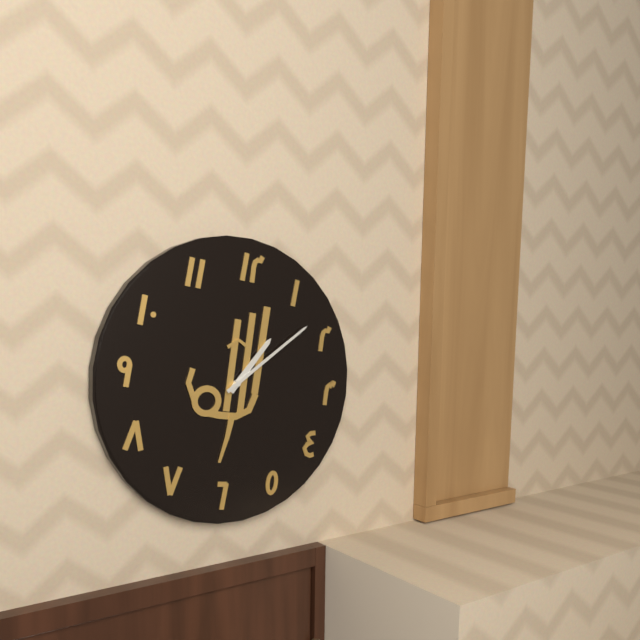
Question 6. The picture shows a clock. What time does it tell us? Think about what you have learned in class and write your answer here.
1:08
